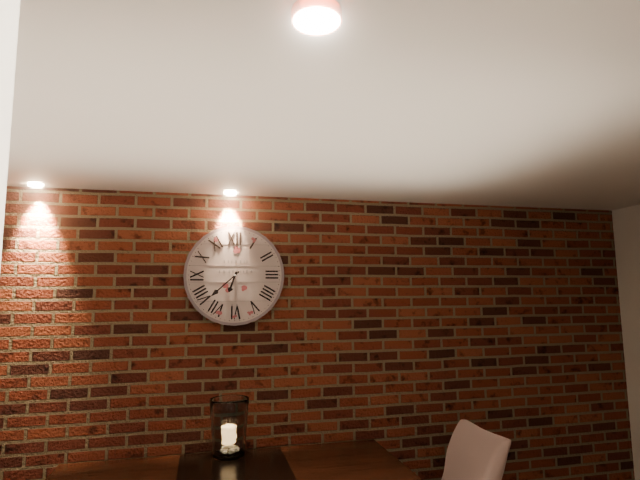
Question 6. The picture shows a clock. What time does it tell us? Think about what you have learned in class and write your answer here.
6:38
